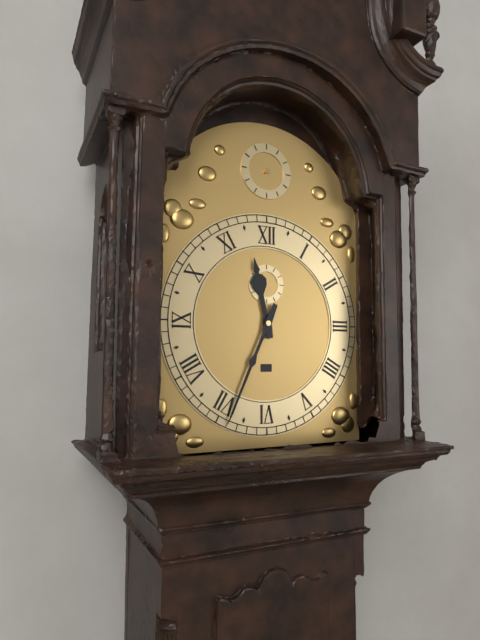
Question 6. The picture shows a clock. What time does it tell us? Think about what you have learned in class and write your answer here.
11:34
